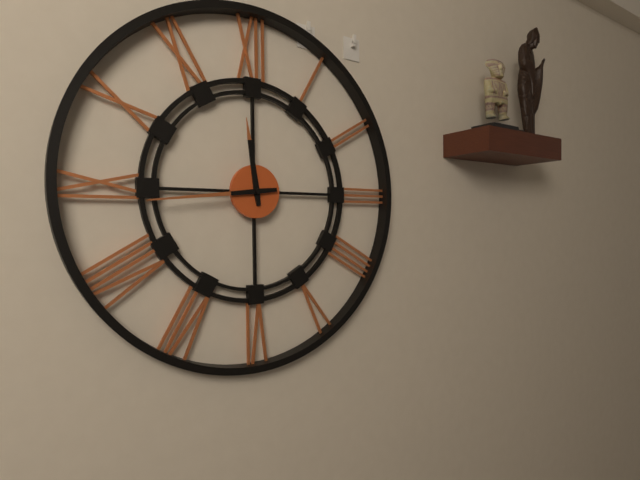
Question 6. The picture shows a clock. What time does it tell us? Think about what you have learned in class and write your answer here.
11:44
